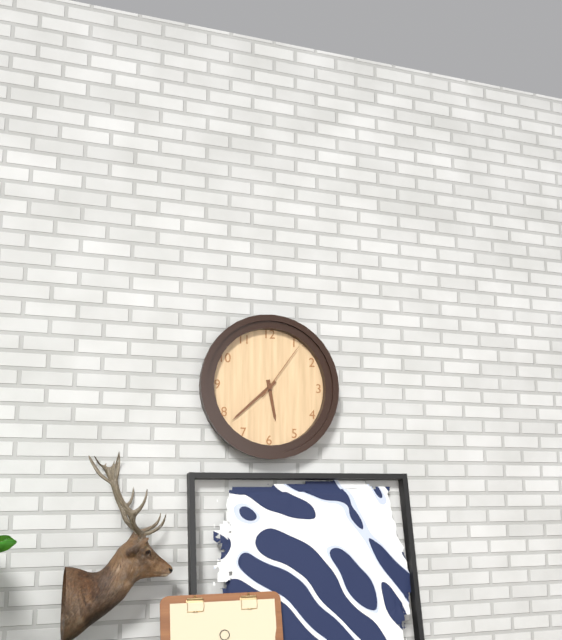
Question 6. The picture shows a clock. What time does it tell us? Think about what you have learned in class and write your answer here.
5:38:06
